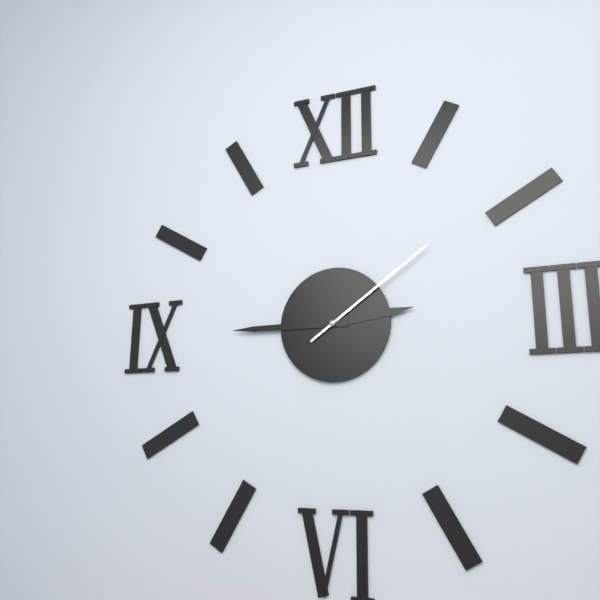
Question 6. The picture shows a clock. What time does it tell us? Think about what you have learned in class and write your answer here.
2:45:09
